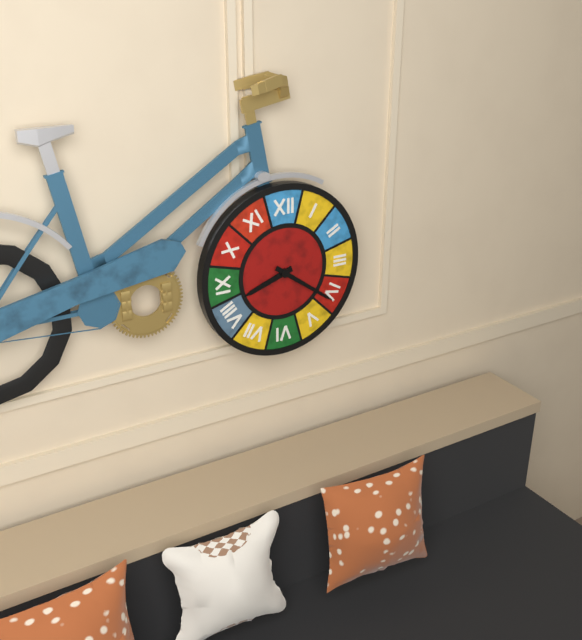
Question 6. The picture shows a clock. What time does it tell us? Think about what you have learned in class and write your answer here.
8:21
